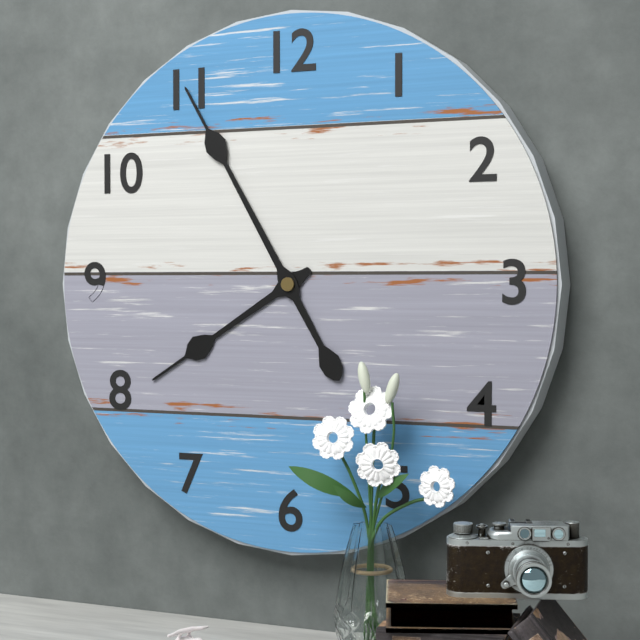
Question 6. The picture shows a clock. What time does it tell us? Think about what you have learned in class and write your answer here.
7:55
